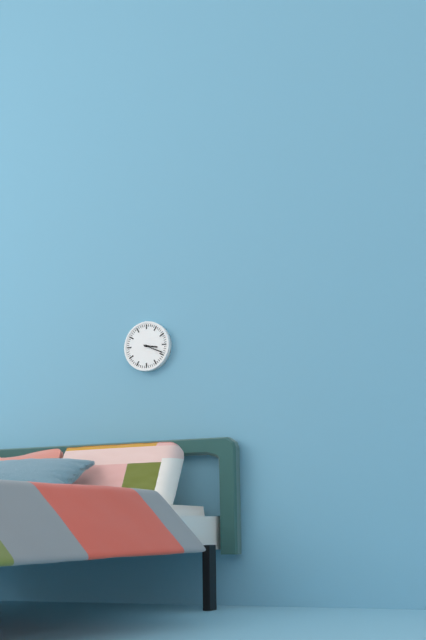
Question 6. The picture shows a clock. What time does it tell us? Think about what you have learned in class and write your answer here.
3:19
